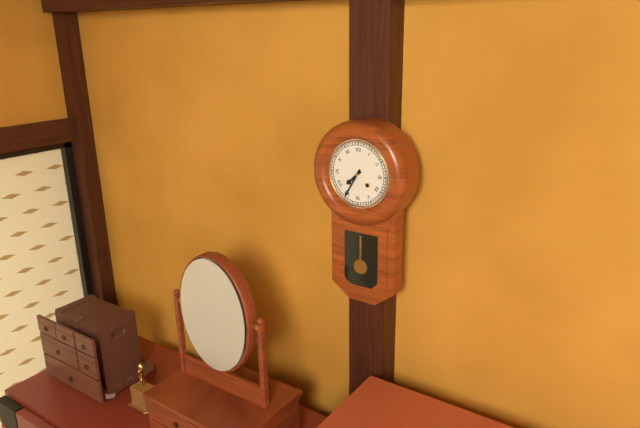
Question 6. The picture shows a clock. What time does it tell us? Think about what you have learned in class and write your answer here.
7:35
